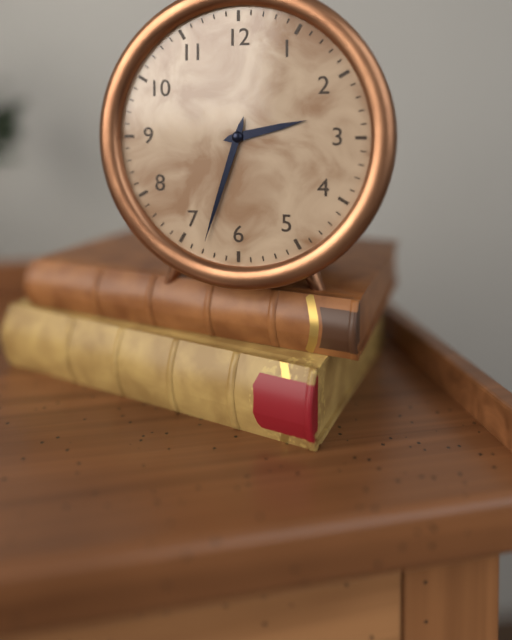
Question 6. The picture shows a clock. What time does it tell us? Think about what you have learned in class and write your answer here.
2:33
